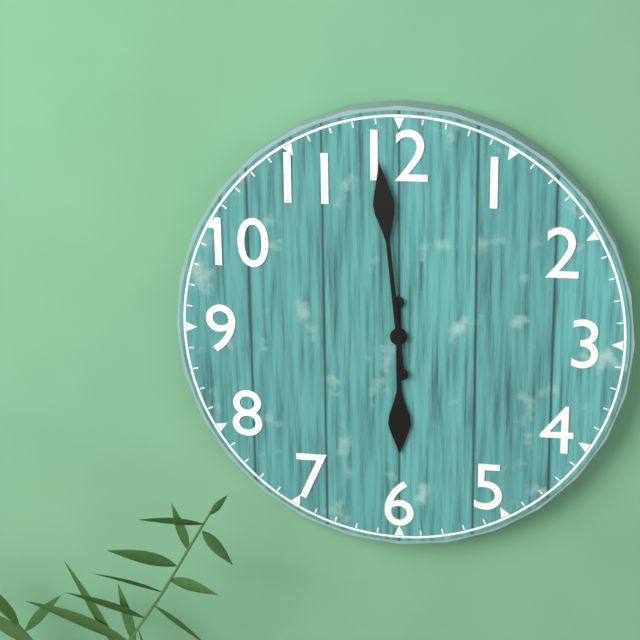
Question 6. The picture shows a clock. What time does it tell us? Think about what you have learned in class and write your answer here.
5:59
